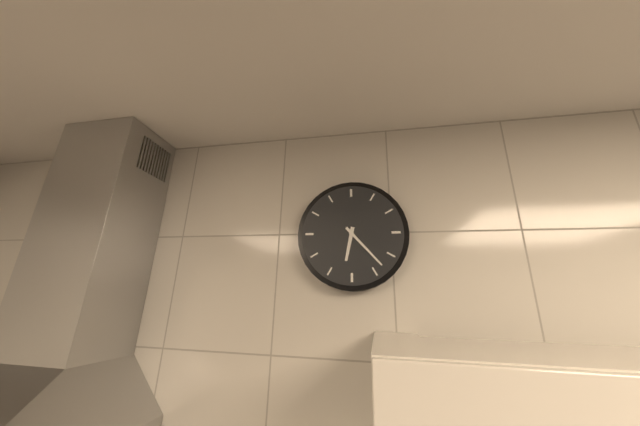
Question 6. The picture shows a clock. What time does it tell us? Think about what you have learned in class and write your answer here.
6:23
